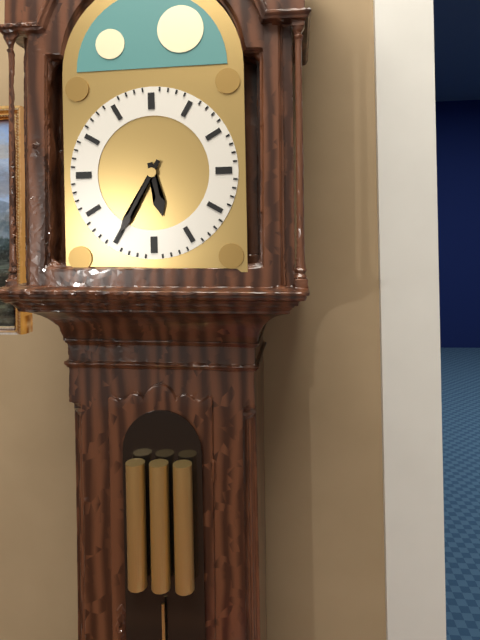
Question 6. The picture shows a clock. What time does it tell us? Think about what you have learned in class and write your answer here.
5:35
